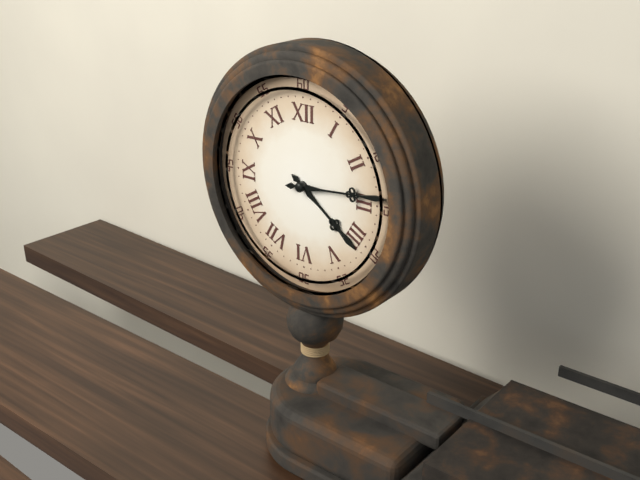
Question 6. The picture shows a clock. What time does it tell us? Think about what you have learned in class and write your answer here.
4:14
